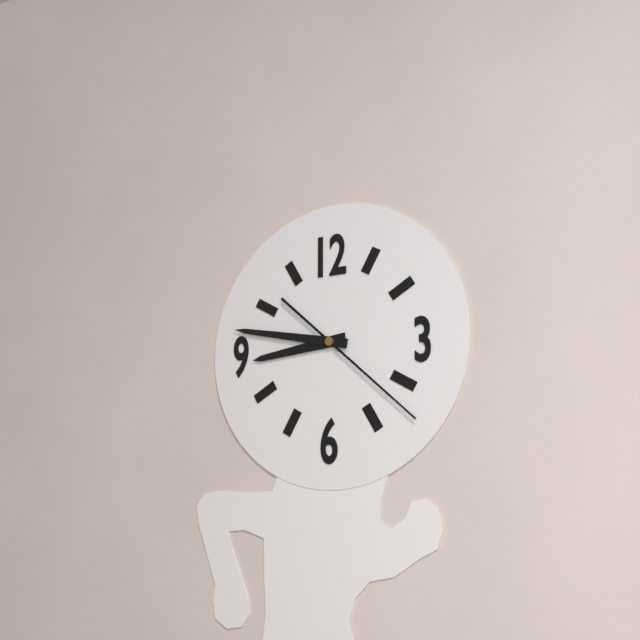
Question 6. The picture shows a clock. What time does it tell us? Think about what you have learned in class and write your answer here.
8:47:22
